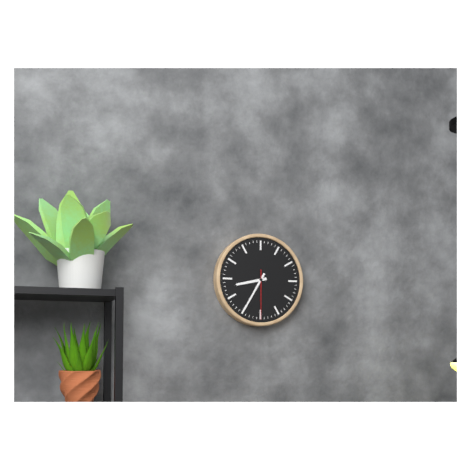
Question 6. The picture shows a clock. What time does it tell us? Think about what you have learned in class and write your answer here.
8:35
